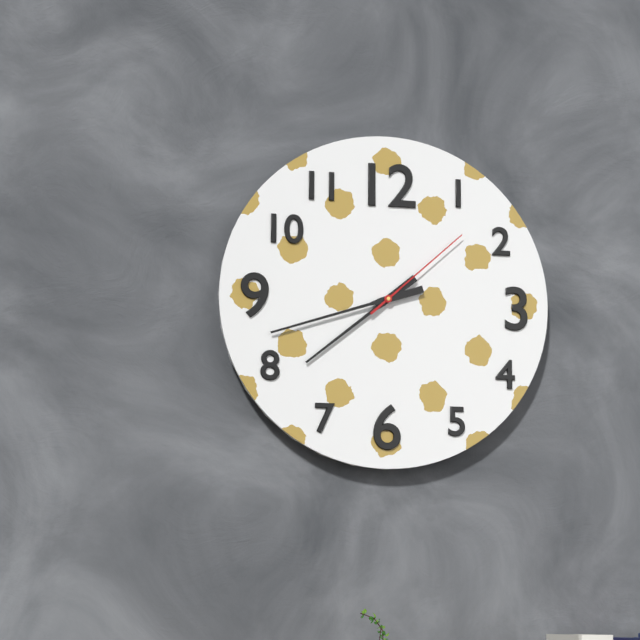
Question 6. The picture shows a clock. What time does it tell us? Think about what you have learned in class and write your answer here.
7:42:08
